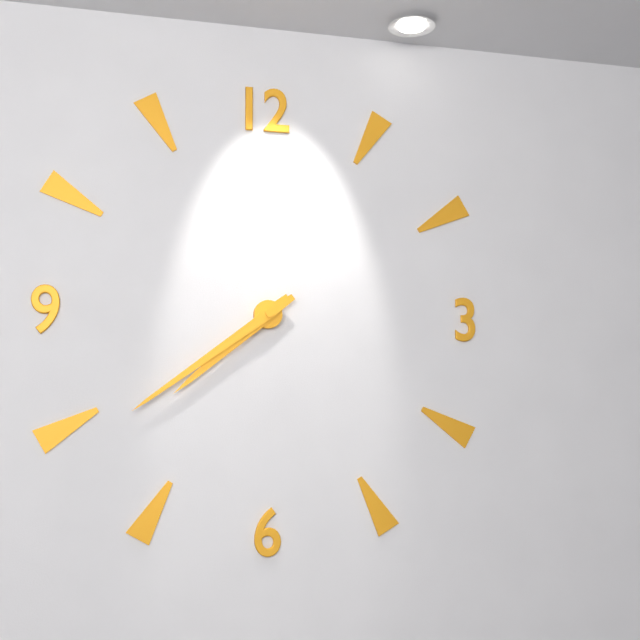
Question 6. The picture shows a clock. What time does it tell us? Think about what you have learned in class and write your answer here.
7:39
